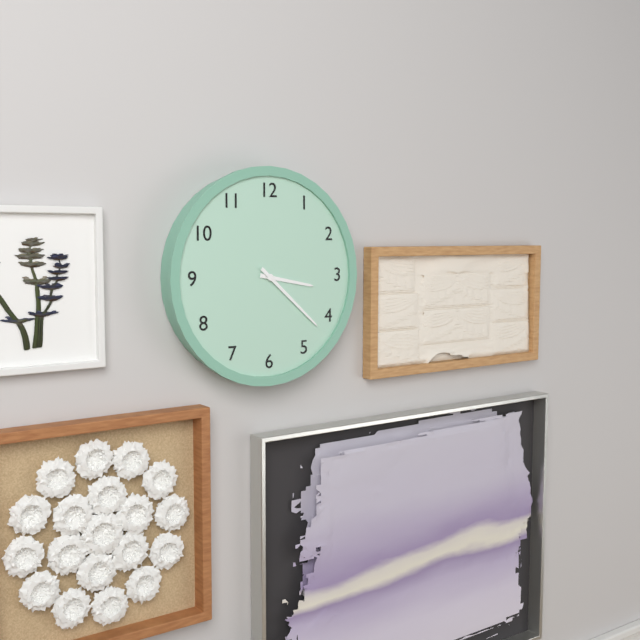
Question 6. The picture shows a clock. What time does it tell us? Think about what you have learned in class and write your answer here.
3:22
